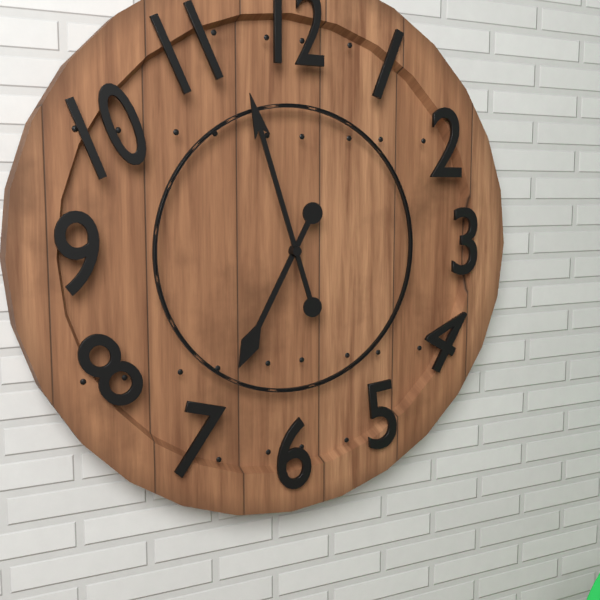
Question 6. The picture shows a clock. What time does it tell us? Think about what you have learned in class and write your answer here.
6:57
